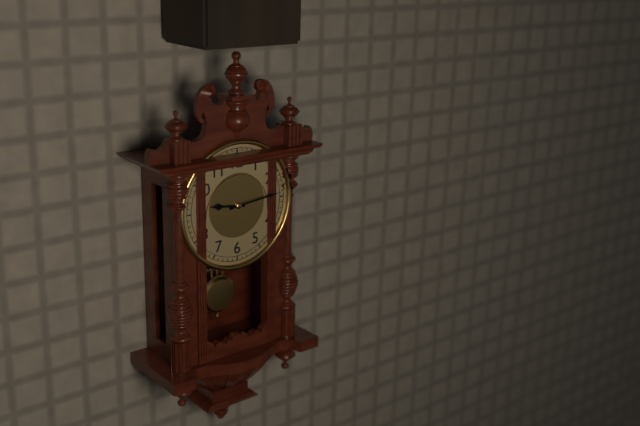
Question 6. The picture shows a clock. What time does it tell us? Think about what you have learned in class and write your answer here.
9:14
